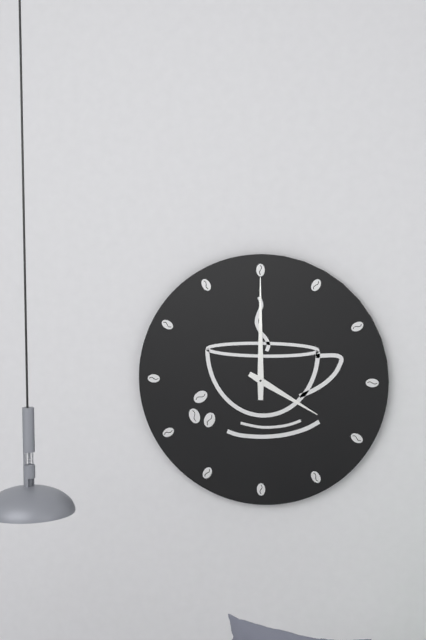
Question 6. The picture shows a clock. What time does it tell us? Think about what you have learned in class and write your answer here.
4:00
